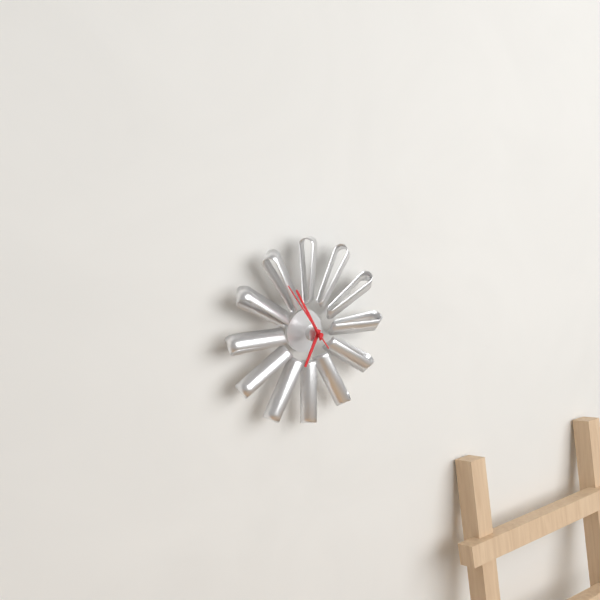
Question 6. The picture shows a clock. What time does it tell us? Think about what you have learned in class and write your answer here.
6:55:54
